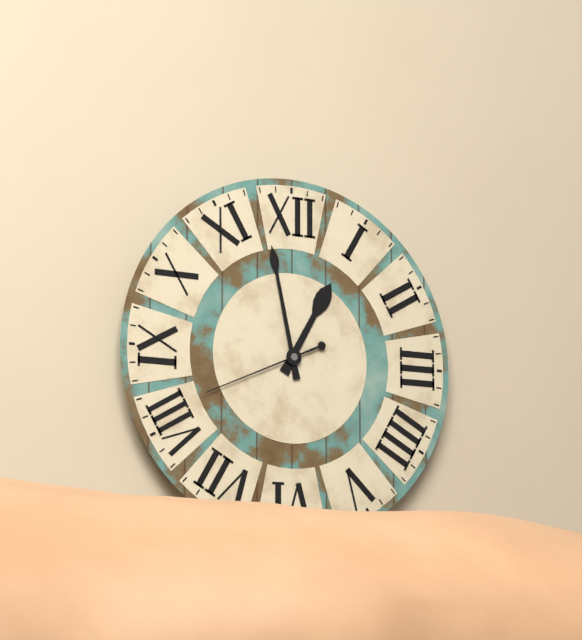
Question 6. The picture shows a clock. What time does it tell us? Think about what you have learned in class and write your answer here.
12:58:41
